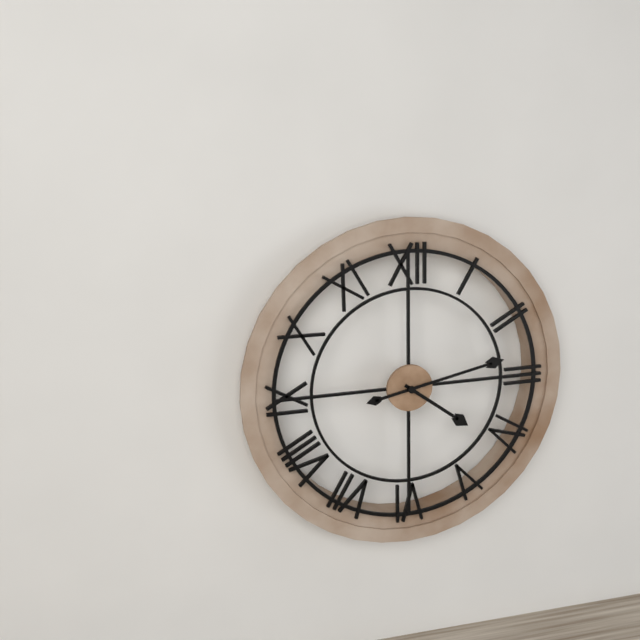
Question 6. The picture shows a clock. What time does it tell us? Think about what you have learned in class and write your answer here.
4:13
